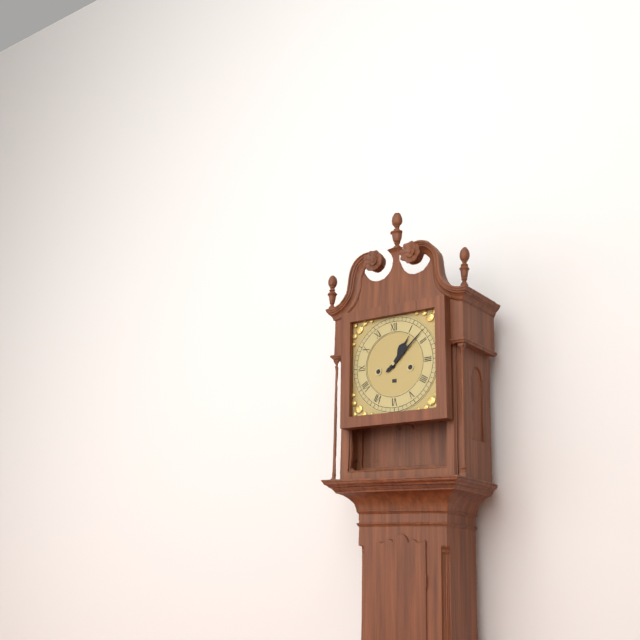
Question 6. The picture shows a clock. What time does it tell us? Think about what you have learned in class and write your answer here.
1:08
